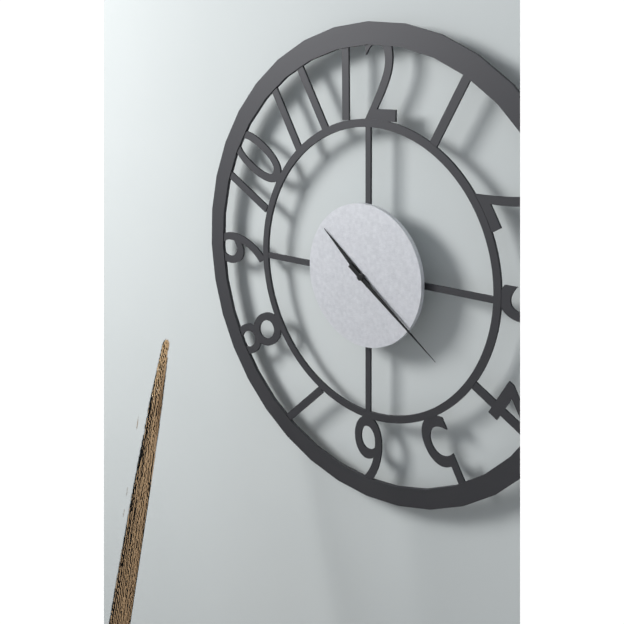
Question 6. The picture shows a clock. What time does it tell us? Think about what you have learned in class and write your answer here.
10:21
